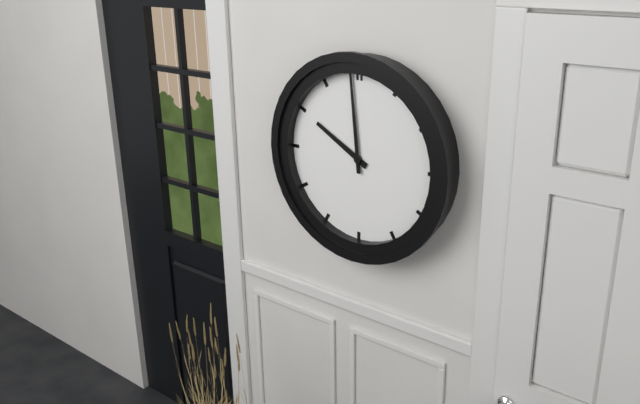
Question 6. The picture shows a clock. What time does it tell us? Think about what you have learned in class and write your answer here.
9:59
